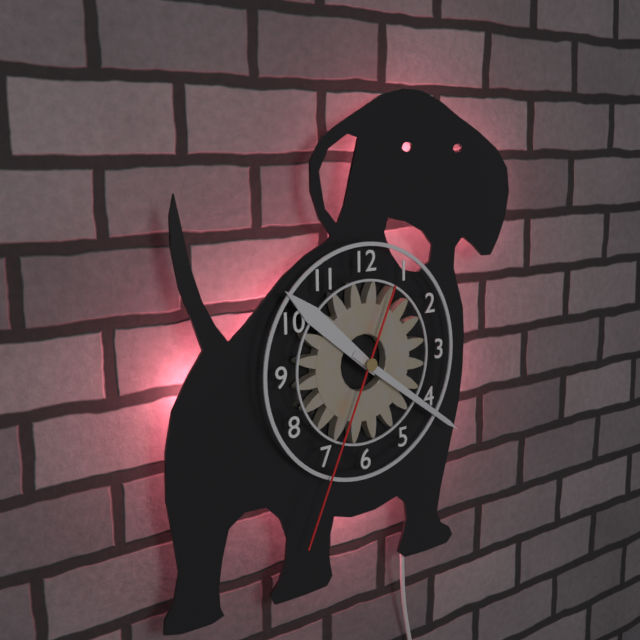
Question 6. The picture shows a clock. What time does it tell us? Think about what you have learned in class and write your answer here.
10:21:34
